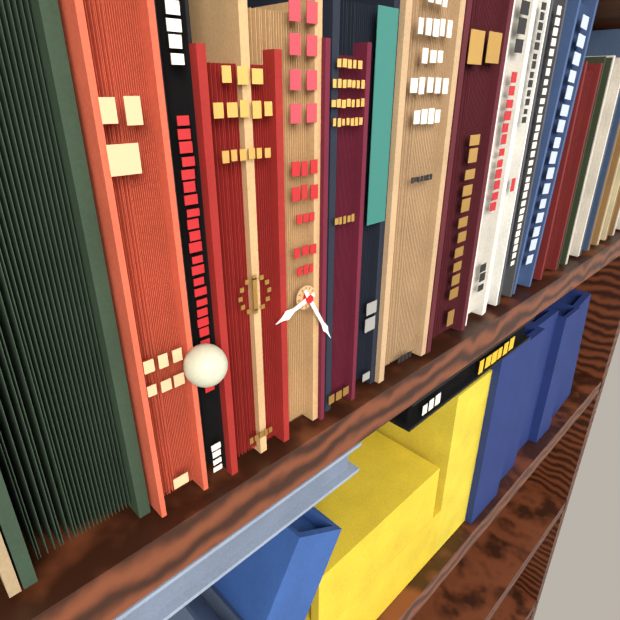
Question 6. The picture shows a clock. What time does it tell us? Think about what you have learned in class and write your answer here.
8:25
